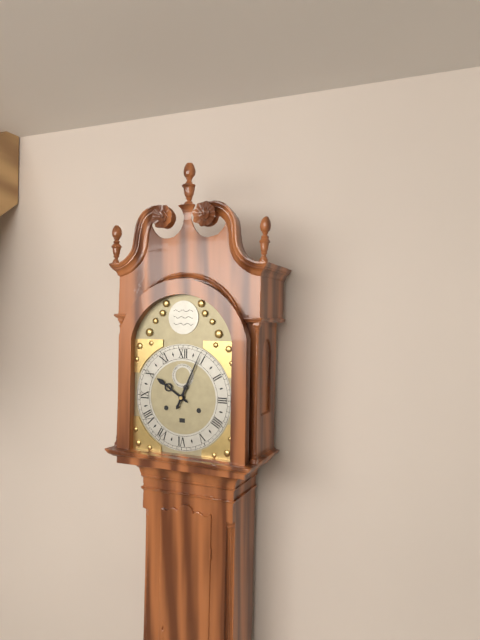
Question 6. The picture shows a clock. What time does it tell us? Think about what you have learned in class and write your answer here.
10:04
